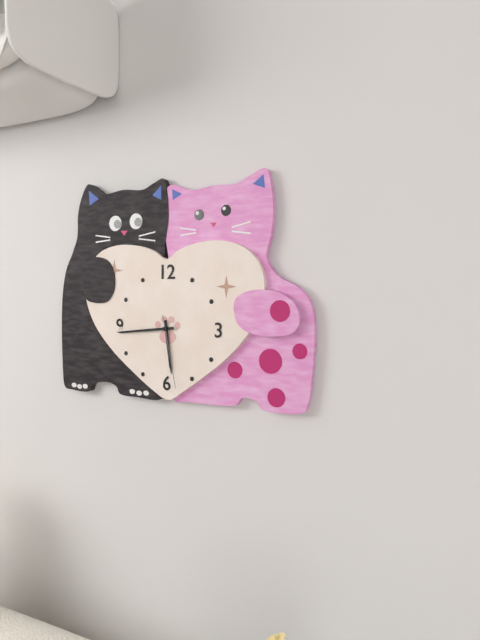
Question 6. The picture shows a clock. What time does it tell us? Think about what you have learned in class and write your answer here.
5:44:28
